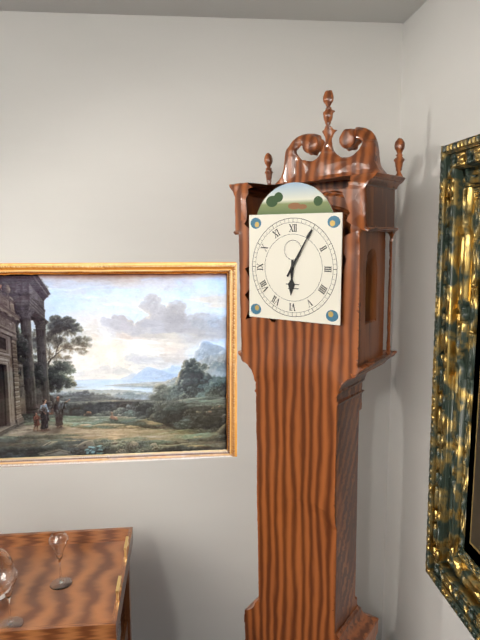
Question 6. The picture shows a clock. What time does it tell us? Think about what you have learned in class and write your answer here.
6:05
